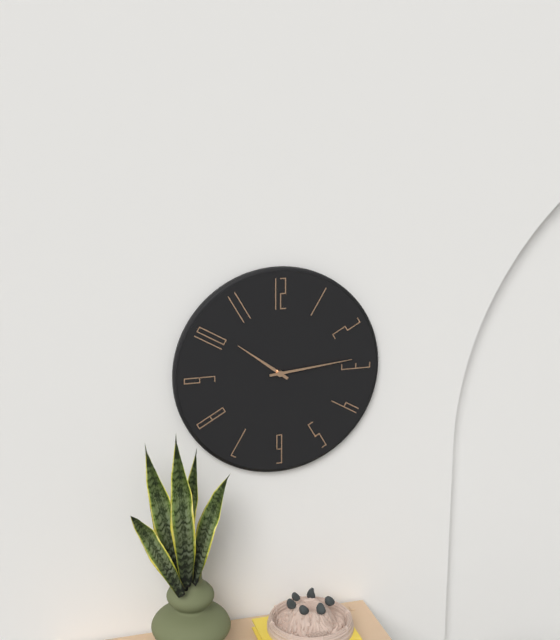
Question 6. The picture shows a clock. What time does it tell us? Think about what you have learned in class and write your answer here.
10:14
